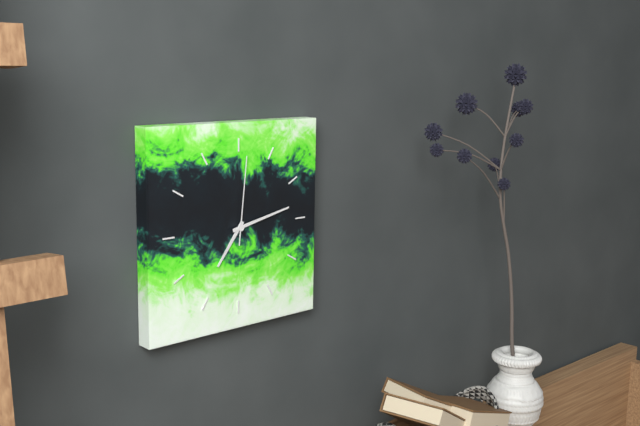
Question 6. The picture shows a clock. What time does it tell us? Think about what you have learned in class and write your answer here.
7:13:01
